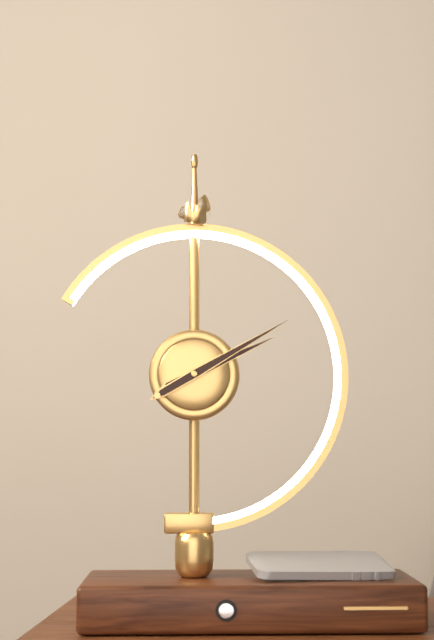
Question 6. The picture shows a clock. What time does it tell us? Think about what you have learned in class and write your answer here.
2:10
